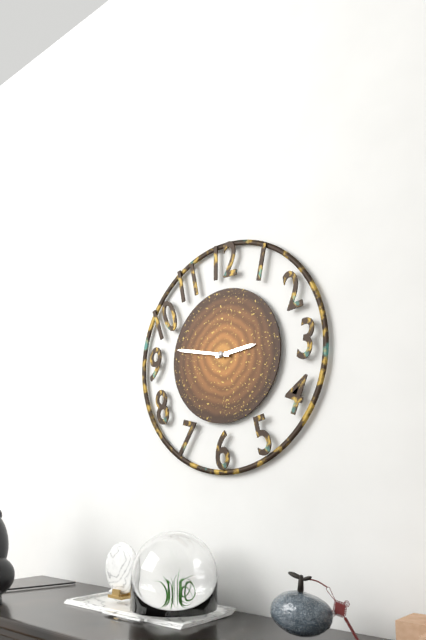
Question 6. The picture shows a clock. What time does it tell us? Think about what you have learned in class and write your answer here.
2:47
